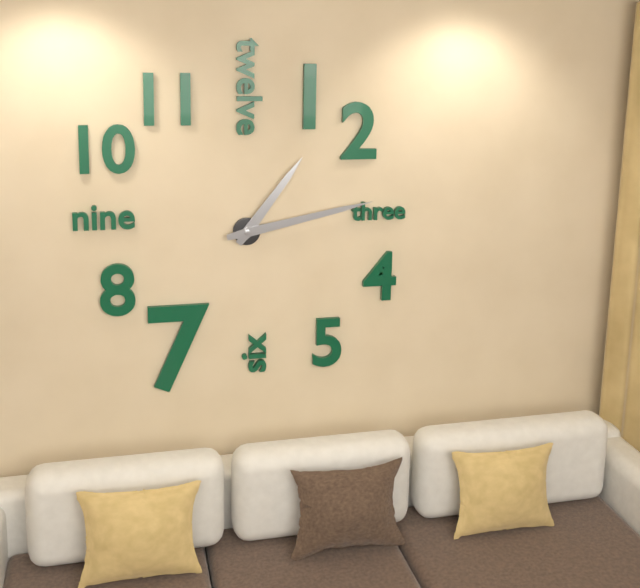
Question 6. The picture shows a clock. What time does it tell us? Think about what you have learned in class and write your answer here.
1:13
